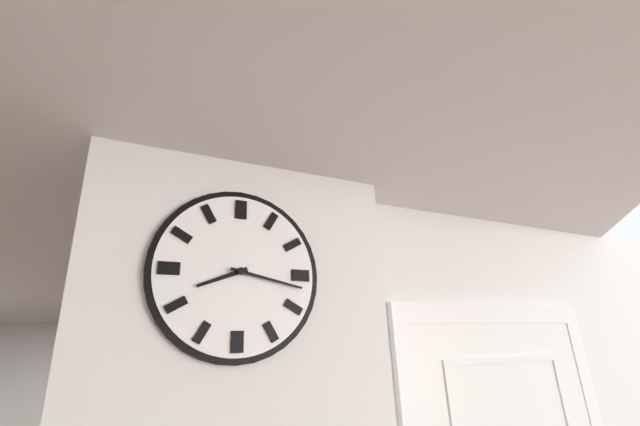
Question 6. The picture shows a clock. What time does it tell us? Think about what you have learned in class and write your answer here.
8:17
